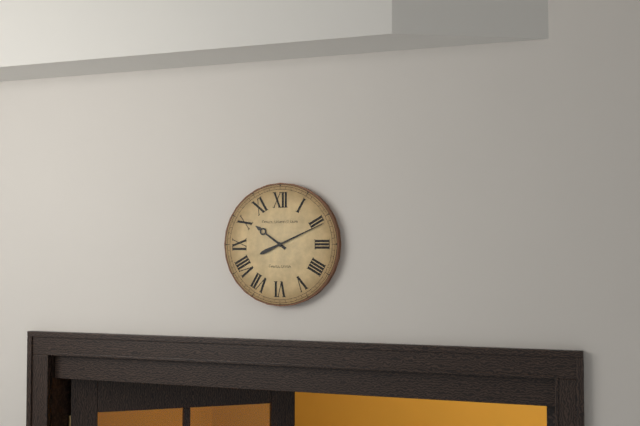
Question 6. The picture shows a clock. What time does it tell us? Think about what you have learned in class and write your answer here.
10:11
